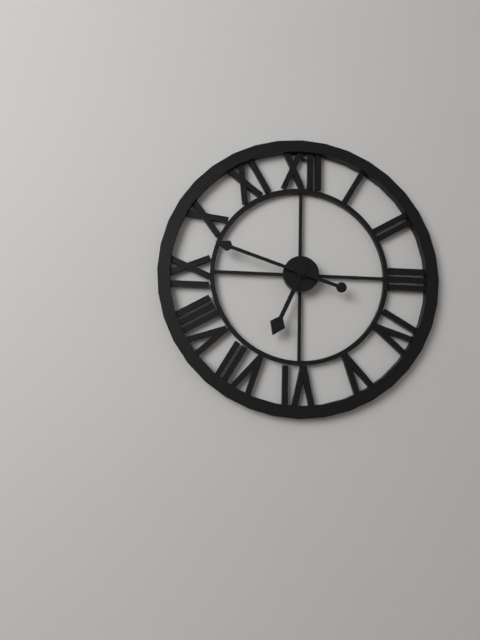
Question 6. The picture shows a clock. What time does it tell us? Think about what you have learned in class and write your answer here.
6:48
